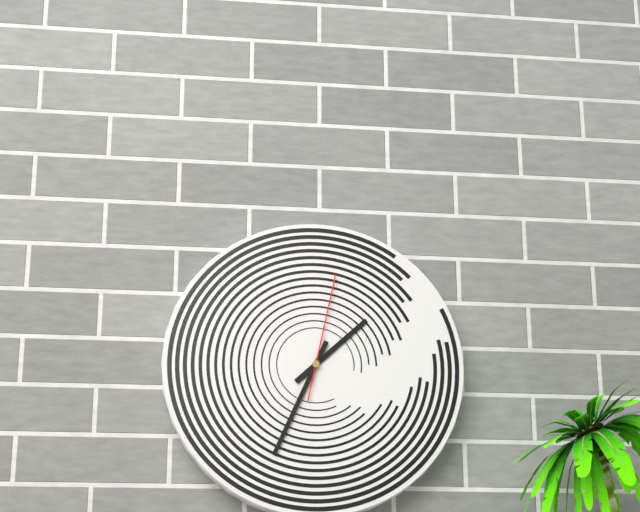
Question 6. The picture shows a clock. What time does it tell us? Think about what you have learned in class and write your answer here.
1:34:02
